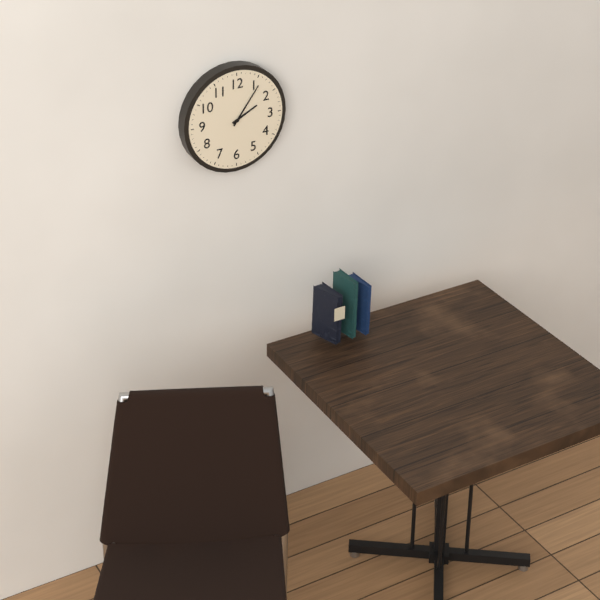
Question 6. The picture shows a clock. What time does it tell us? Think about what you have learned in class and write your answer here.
2:06
